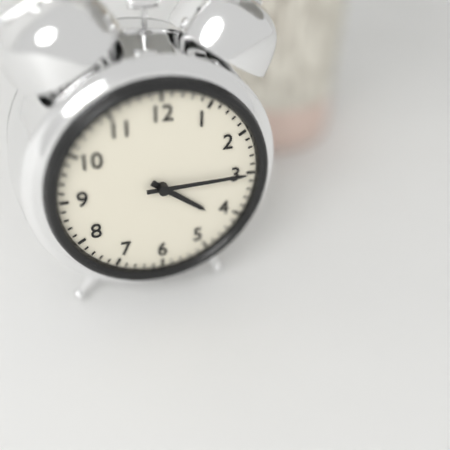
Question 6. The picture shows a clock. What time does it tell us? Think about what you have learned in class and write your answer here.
4:15
